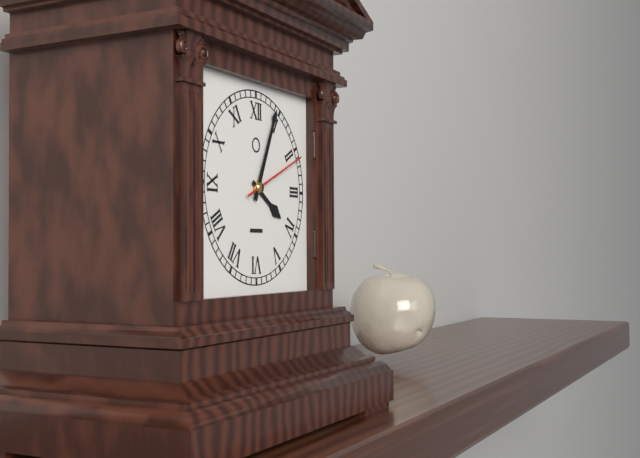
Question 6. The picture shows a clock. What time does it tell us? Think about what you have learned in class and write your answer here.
4:04:11
